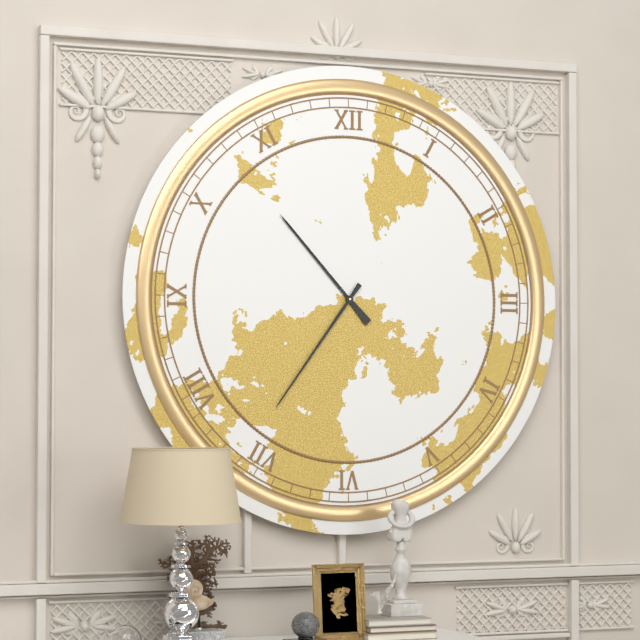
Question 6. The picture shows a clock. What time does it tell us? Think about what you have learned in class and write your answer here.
10:36
